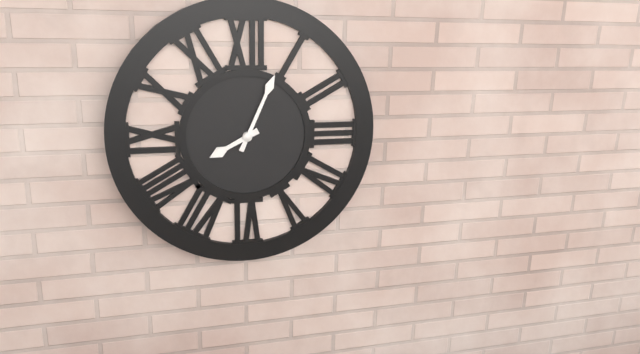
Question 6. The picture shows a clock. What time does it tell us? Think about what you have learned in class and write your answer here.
8:04
